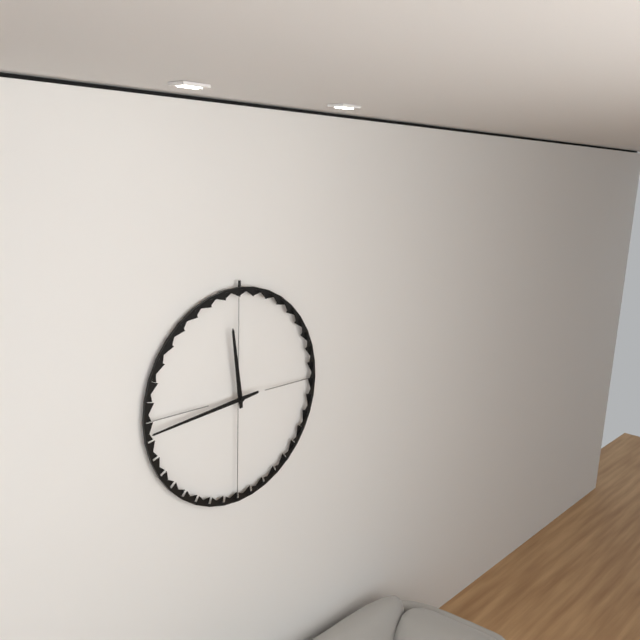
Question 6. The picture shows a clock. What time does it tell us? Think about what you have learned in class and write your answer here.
11:44
